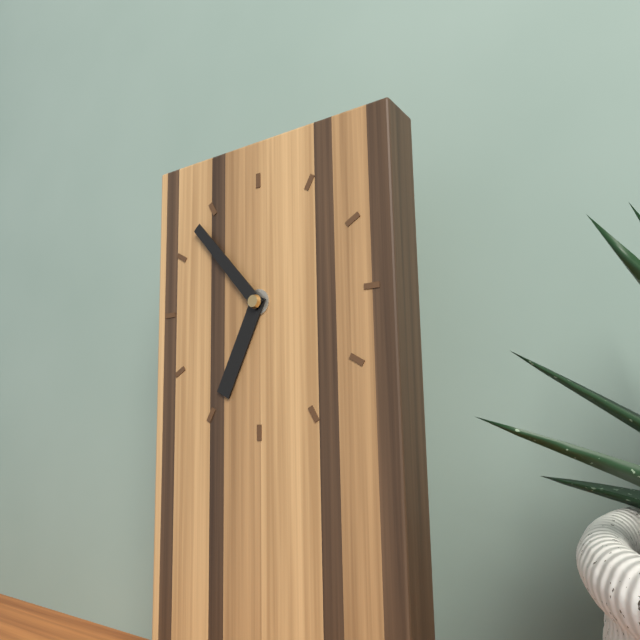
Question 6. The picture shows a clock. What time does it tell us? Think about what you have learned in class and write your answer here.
6:53
